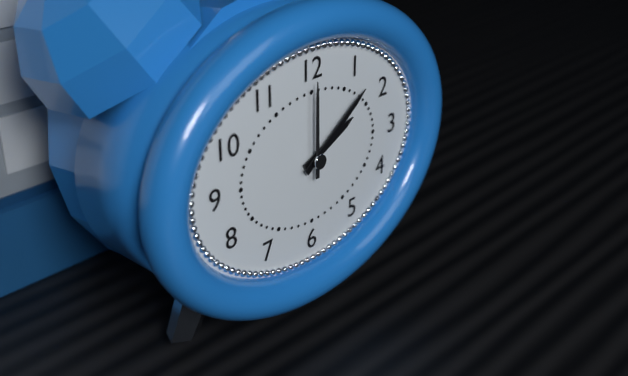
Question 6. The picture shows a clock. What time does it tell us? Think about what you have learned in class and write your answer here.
2:09:00
